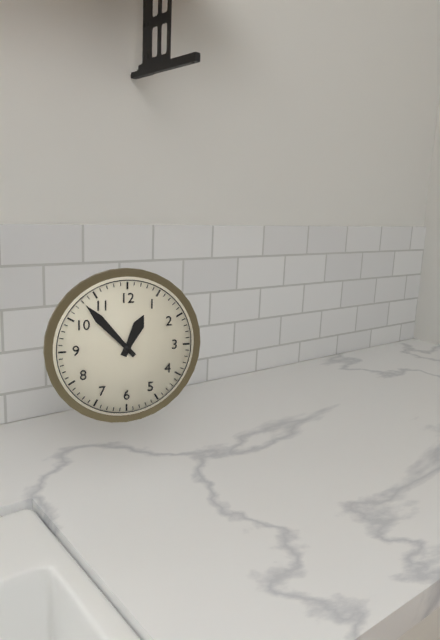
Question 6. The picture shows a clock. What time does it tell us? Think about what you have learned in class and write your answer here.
12:53
